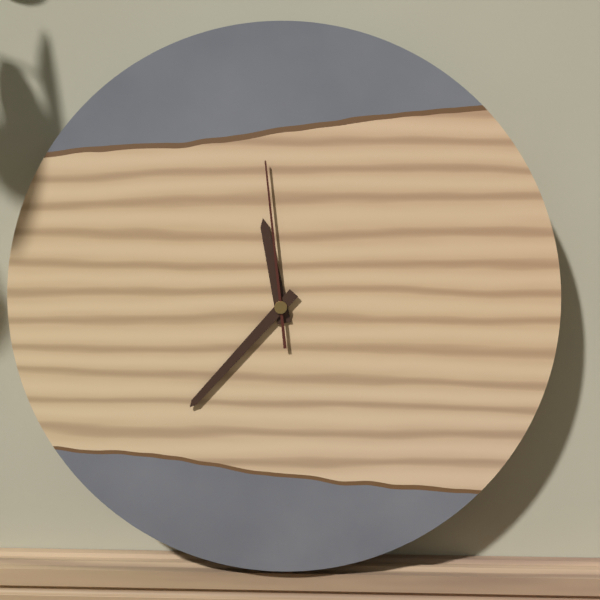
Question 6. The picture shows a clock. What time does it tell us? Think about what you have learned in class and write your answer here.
11:37:59
